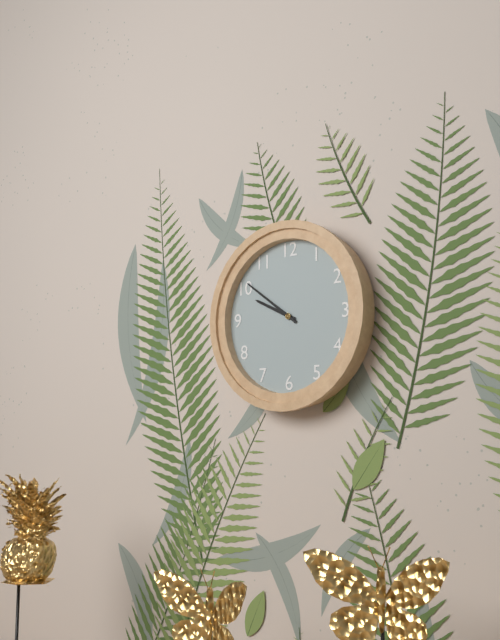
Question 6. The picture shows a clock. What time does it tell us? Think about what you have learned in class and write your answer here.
9:51
